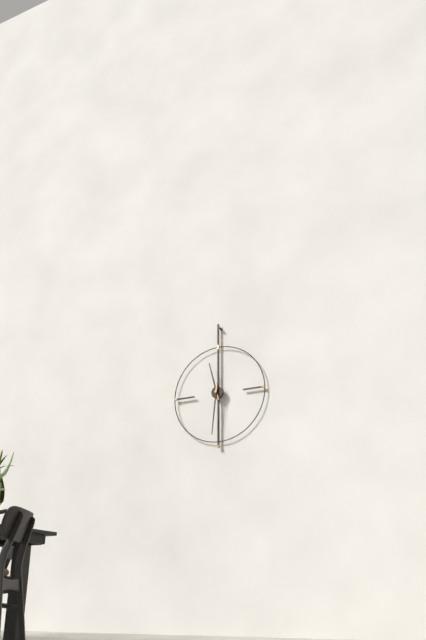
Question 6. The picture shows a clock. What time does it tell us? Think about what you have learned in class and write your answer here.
11:31
